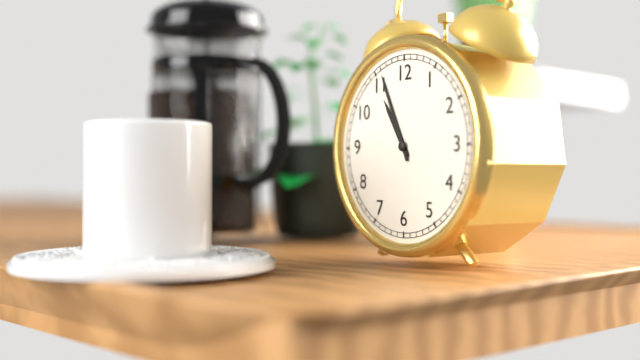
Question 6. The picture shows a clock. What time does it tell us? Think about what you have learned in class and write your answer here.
10:56
